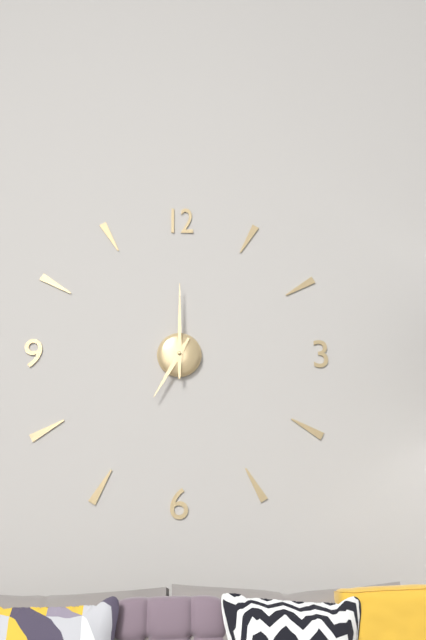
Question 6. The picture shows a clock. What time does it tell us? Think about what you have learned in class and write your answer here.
7:00
